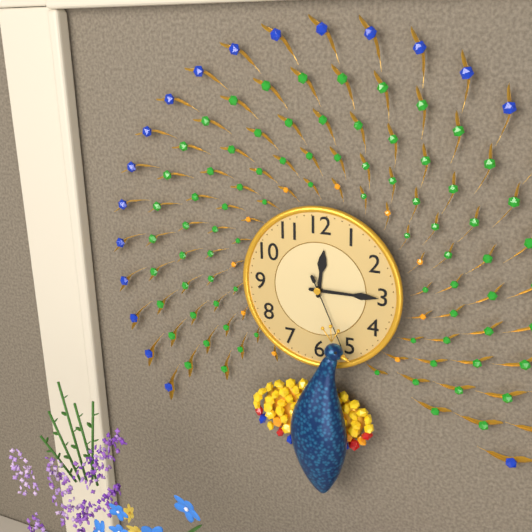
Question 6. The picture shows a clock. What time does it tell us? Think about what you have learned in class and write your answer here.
12:15:26
